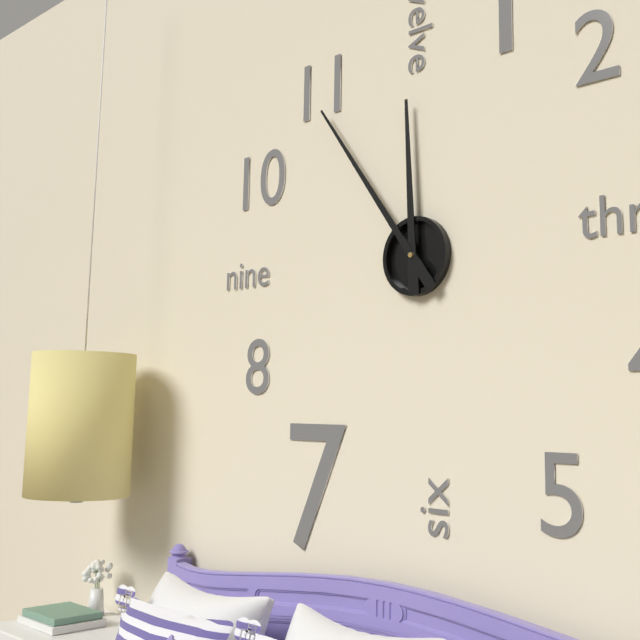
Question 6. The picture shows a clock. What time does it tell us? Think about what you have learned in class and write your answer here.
11:54
